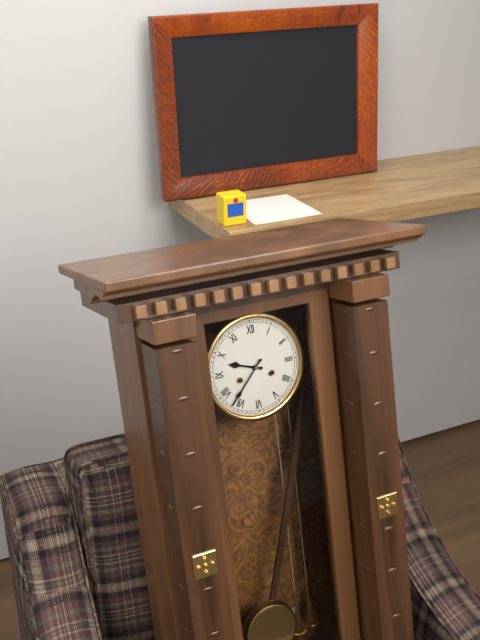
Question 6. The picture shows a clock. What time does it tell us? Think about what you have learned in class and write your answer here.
9:37
